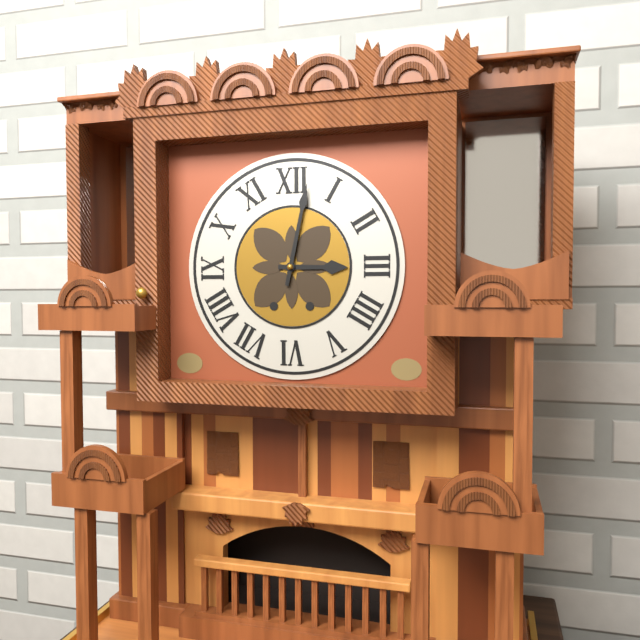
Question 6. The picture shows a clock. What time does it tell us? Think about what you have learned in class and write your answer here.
3:02
